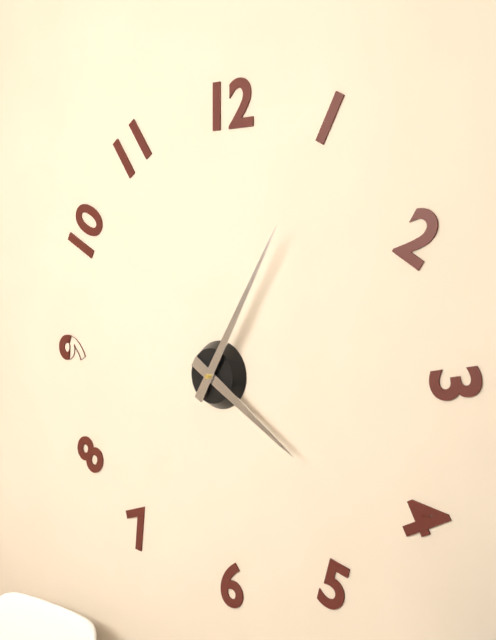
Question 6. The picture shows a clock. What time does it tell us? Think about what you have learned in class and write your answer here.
4:05
